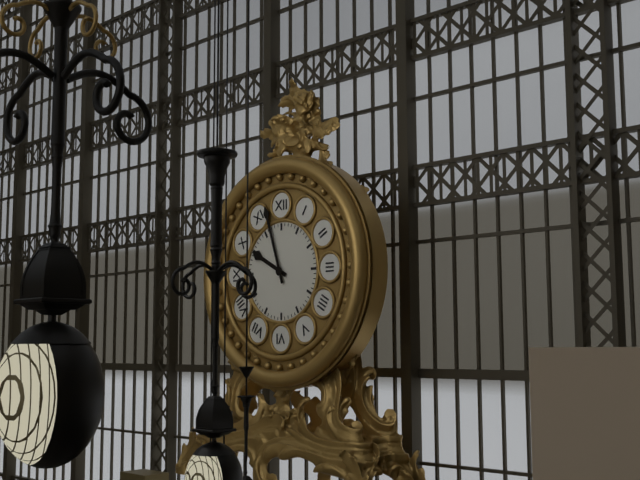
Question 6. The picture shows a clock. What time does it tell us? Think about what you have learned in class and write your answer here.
9:57
